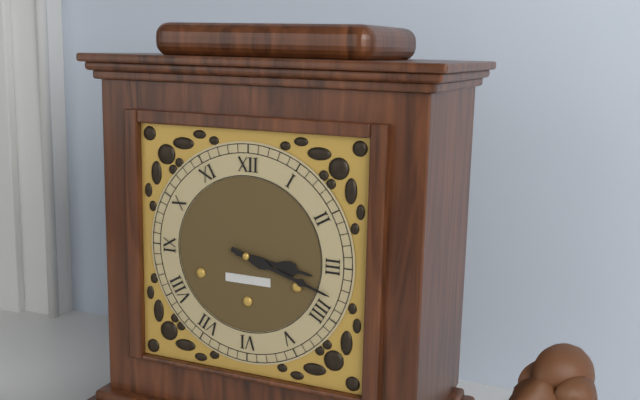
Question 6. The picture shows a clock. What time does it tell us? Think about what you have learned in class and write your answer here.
3:18
